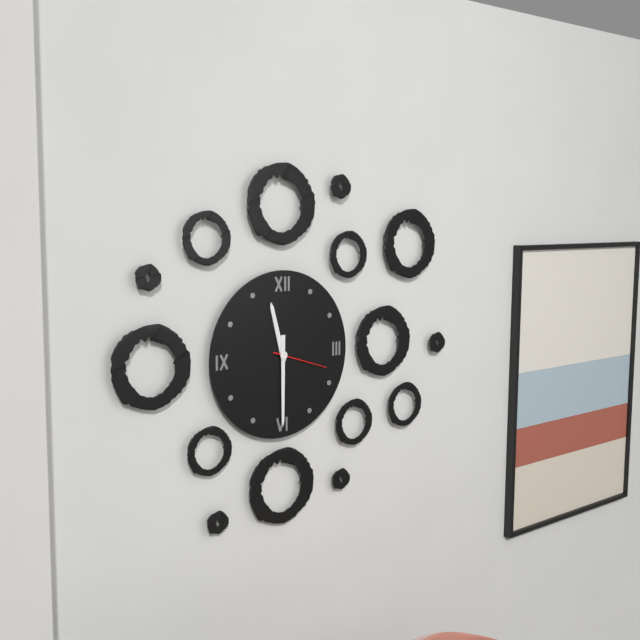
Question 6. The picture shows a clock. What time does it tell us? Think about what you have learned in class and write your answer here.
11:30:18
